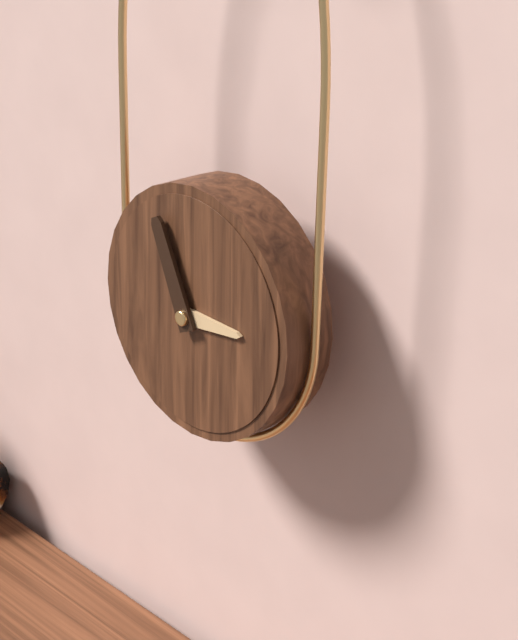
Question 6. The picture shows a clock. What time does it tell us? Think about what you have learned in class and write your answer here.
2:56
